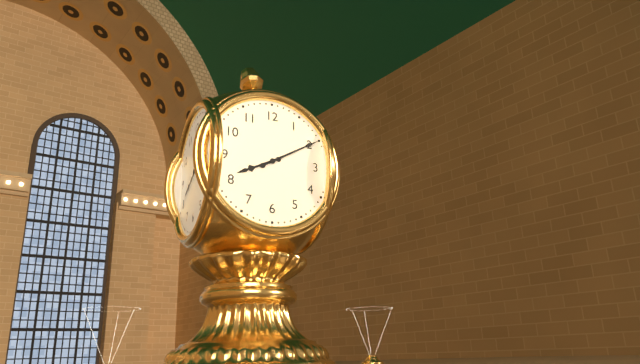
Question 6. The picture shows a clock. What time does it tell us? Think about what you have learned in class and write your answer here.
8:10
